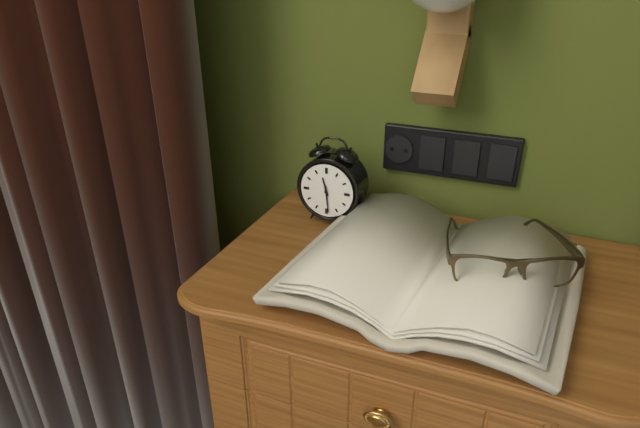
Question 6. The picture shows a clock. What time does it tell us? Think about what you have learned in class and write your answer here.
11:29
